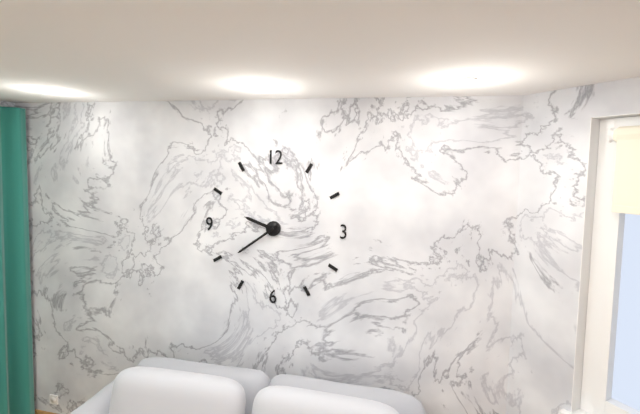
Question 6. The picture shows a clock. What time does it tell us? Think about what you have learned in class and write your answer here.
9:39
